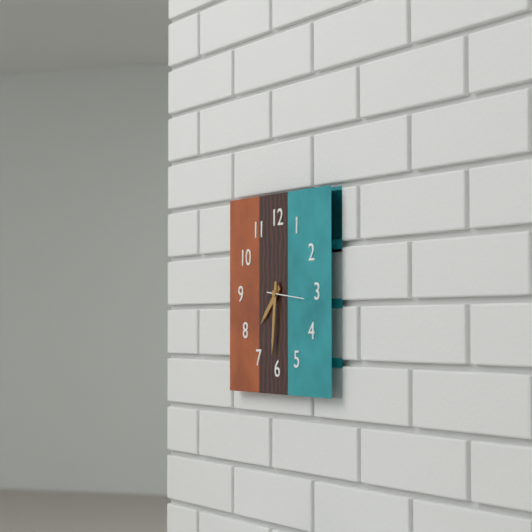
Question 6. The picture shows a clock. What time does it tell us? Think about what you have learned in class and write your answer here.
7:31
